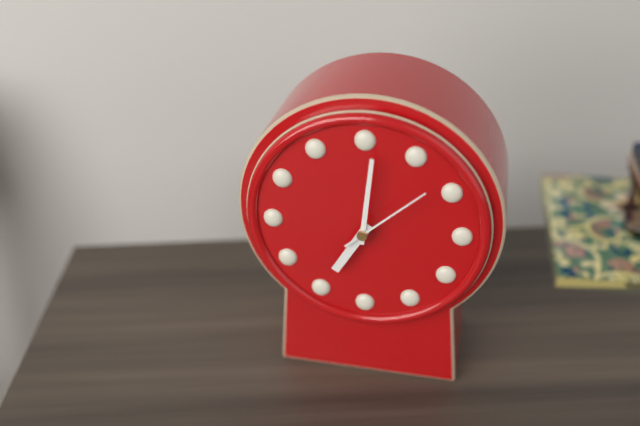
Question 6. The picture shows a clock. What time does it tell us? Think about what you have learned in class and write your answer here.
7:01:08
